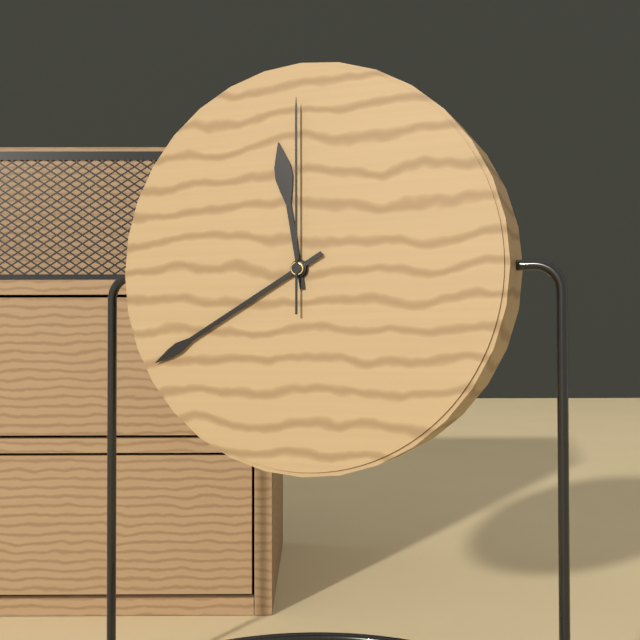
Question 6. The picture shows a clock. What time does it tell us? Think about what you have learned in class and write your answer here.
11:40:00
